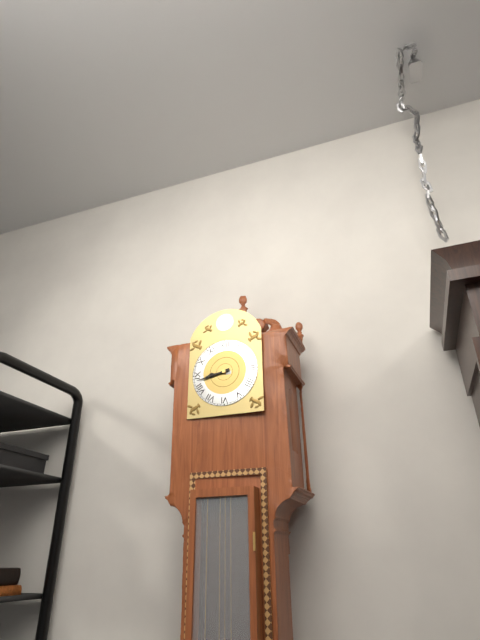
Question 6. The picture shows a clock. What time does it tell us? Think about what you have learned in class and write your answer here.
8:43
